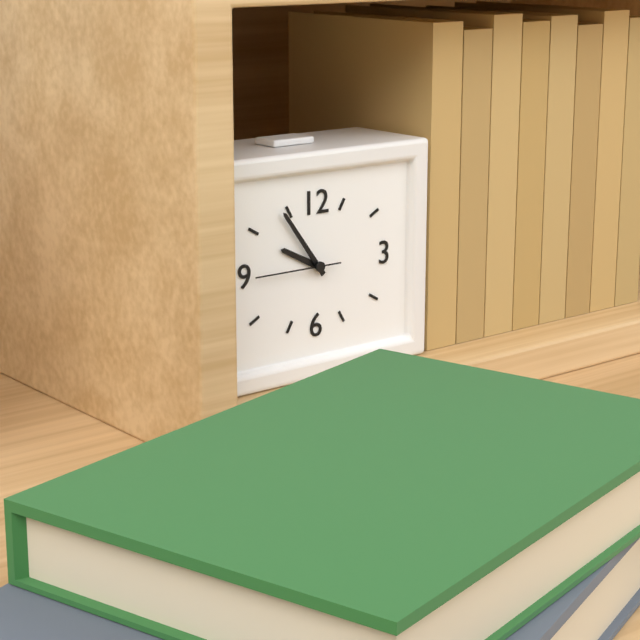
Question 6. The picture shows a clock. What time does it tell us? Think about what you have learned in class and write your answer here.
9:54:45
